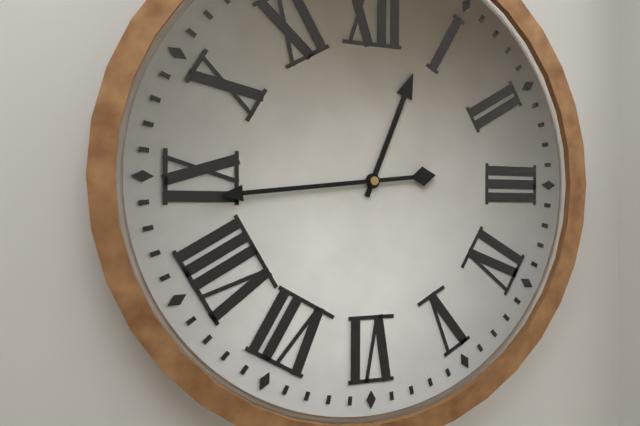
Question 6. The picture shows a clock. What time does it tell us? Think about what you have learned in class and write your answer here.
12:44
